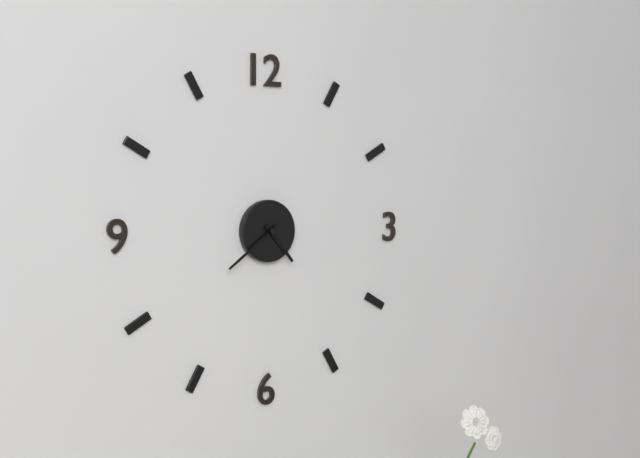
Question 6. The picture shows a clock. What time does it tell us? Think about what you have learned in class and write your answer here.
4:39
